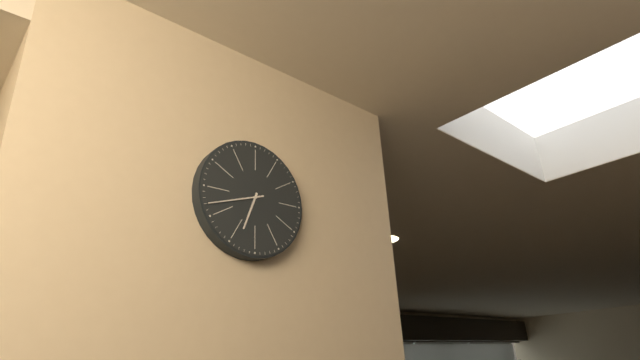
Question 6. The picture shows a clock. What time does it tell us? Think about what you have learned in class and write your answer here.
6:42
